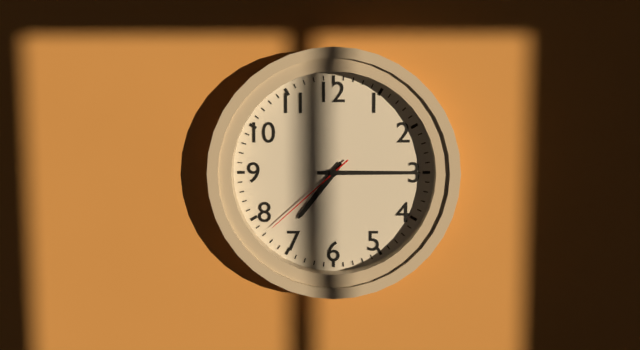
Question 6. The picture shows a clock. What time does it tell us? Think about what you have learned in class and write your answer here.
7:15:38
